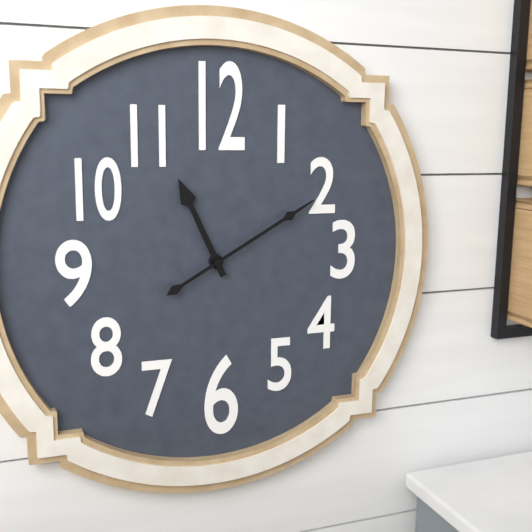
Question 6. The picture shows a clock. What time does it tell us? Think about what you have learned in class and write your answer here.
11:10
